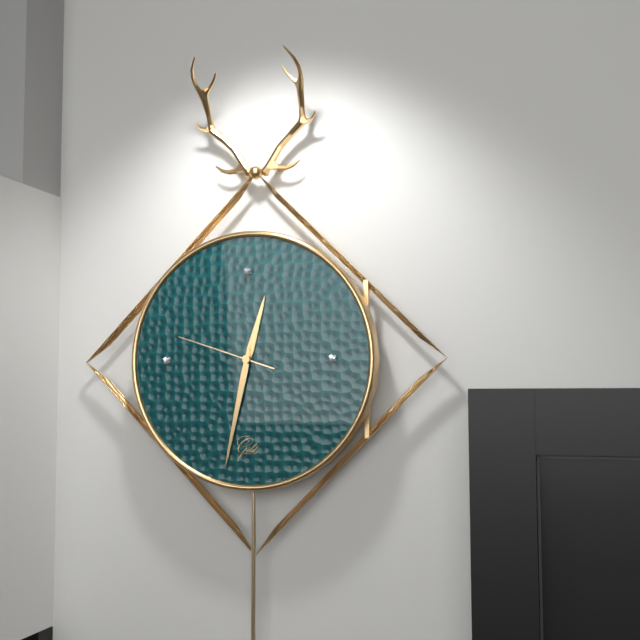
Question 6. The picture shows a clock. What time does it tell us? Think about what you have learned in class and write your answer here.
12:32:48
